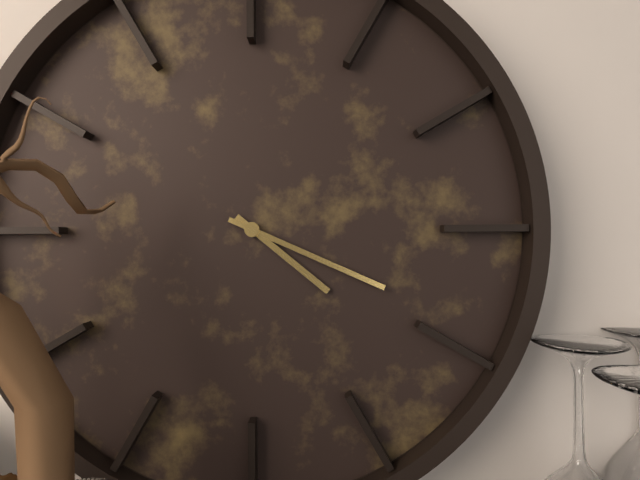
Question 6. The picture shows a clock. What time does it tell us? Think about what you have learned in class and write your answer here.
4:19
